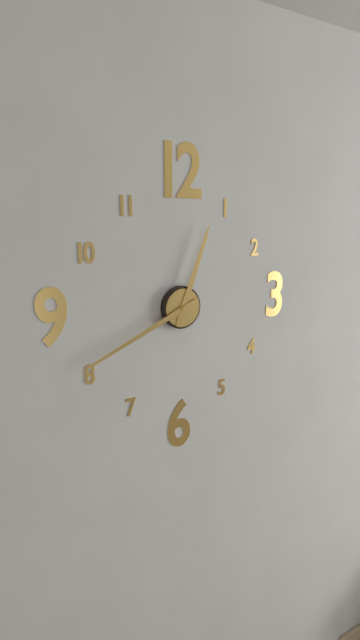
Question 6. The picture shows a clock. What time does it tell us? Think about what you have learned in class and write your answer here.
12:41
